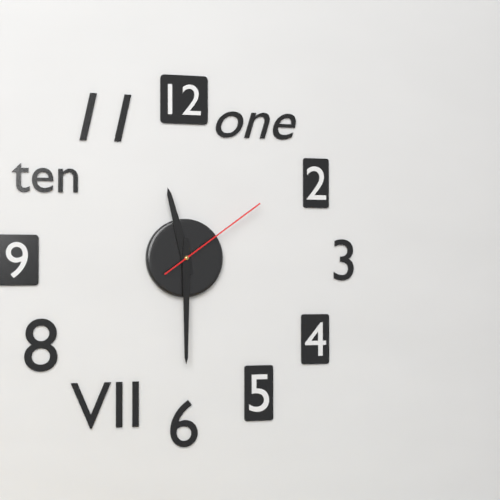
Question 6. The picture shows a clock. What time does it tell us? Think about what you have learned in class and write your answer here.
11:30:09
